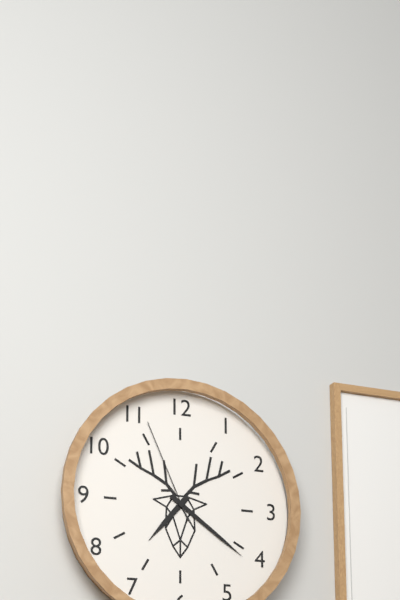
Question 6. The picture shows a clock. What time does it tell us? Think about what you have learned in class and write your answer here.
7:21:56
